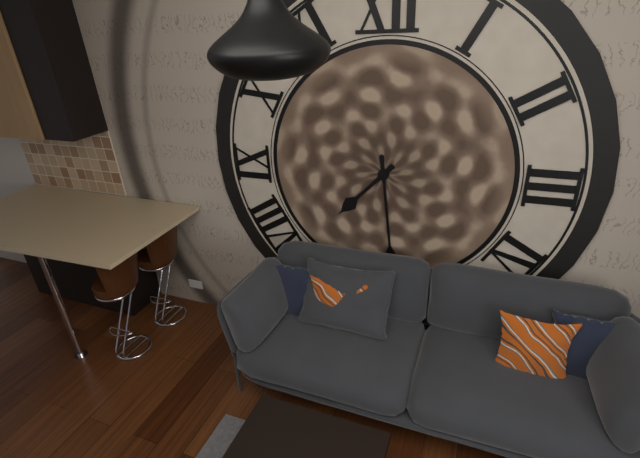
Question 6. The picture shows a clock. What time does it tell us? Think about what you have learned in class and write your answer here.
7:29
